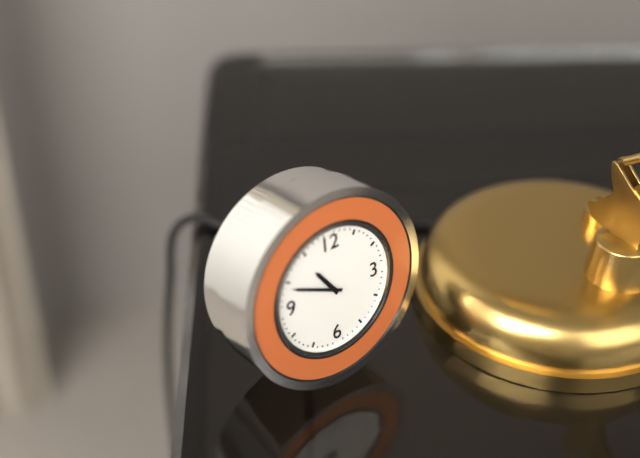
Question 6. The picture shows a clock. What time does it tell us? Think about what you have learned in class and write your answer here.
10:49
